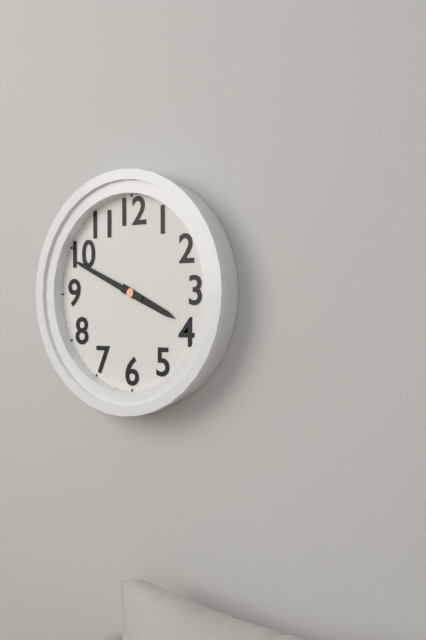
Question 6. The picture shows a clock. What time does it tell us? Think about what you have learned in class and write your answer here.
3:49
